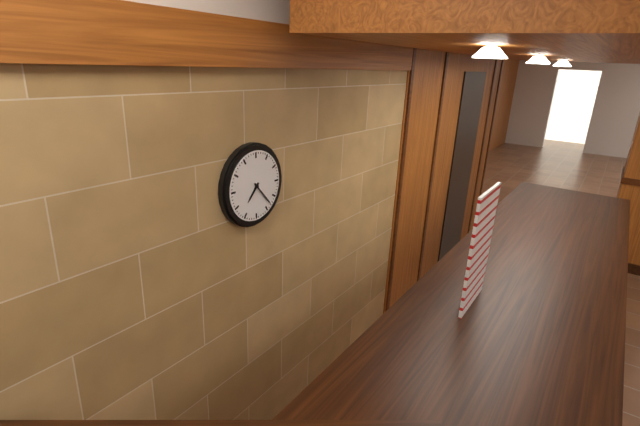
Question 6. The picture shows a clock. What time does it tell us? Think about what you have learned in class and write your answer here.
7:23
